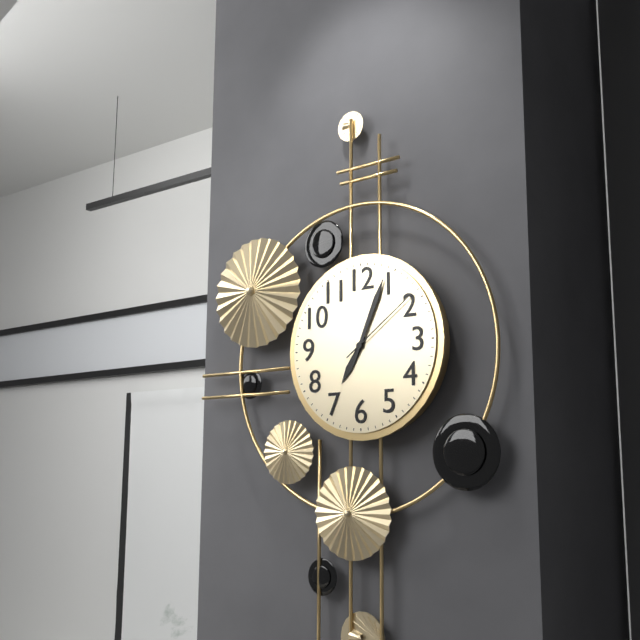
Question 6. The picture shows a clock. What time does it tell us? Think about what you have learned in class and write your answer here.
7:04:09
